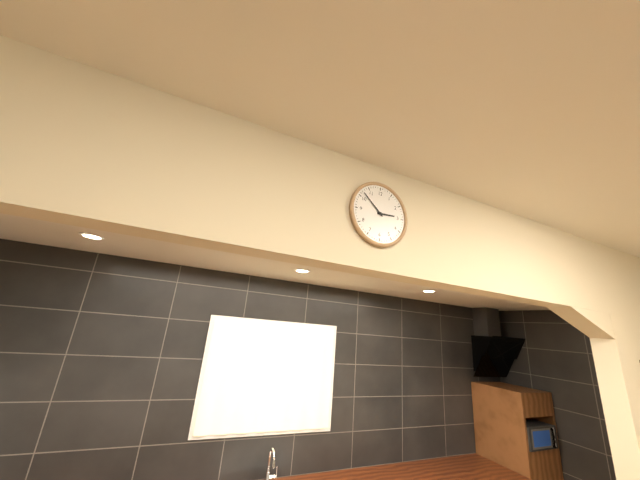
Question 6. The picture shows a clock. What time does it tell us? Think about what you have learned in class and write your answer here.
2:52
